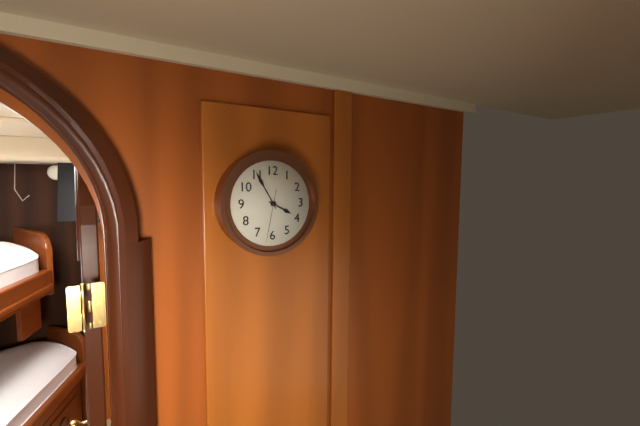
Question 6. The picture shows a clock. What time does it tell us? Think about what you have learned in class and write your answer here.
3:55
